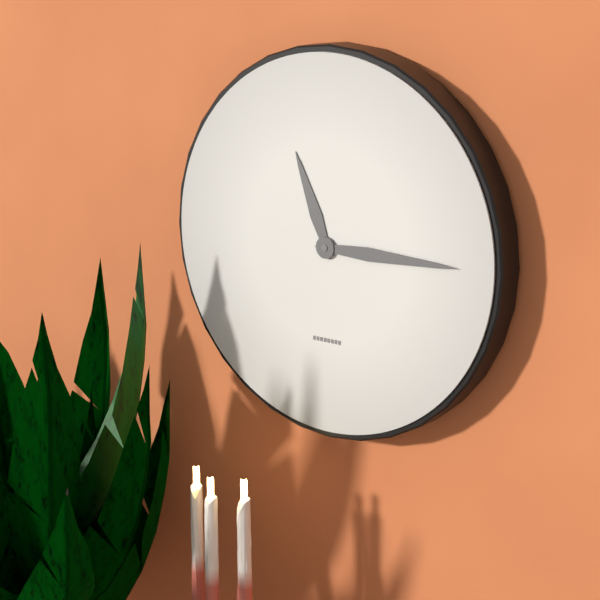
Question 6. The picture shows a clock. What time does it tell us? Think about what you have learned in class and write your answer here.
11:15
